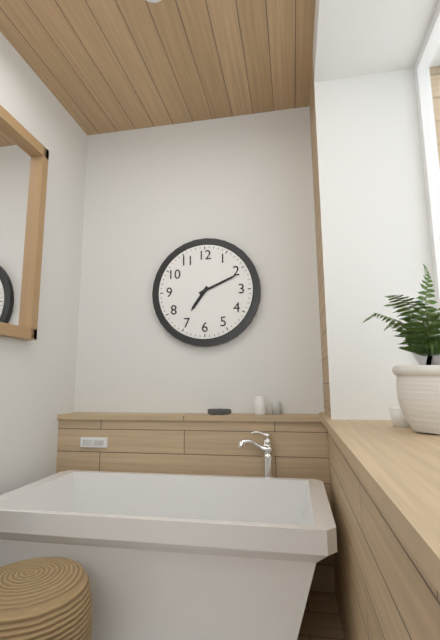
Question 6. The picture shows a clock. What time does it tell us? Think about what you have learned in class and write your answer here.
7:11
